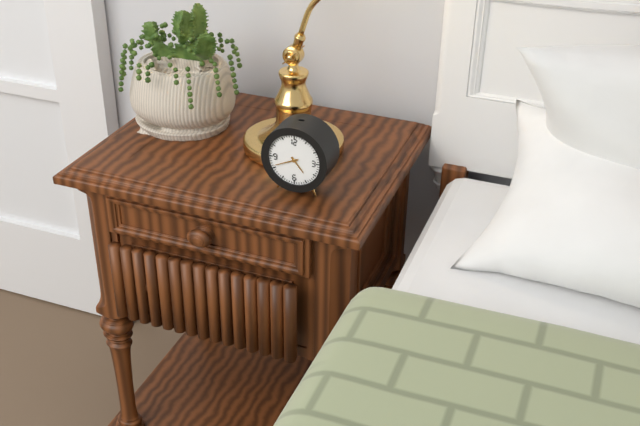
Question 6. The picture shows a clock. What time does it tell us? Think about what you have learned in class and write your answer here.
4:41
